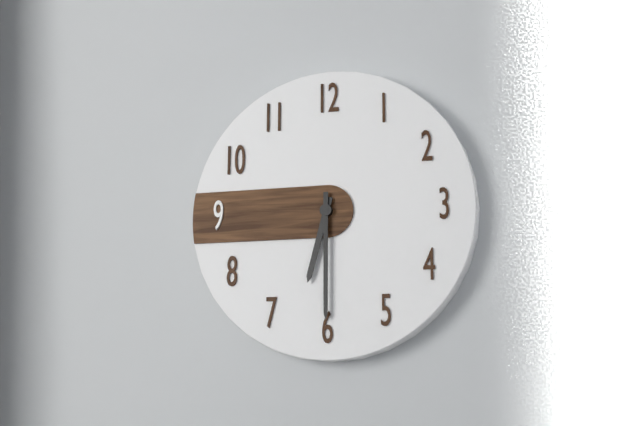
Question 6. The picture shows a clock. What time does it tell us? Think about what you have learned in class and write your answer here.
6:30
